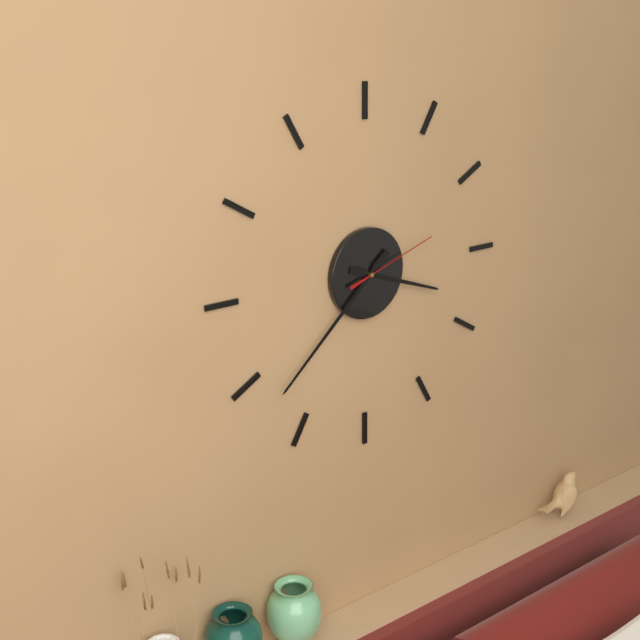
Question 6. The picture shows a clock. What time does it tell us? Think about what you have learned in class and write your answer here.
3:38:12
